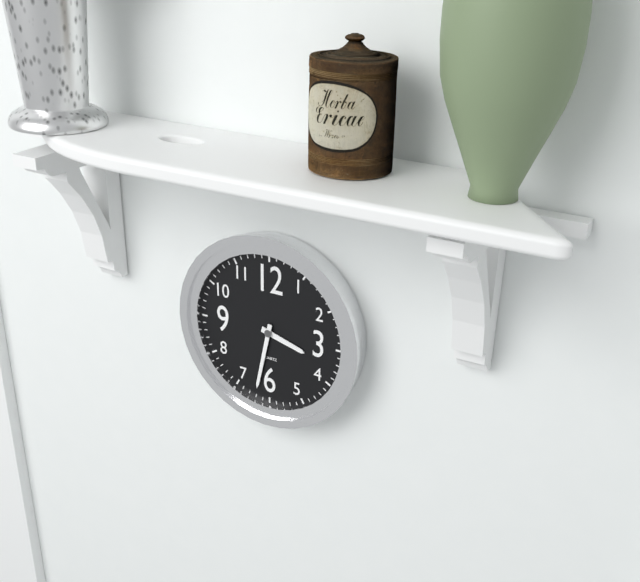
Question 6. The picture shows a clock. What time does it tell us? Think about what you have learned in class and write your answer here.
3:32
